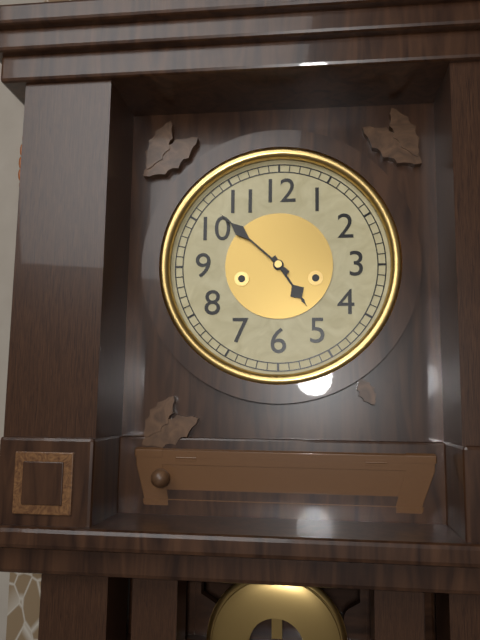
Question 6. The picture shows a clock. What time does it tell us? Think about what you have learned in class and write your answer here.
4:52
